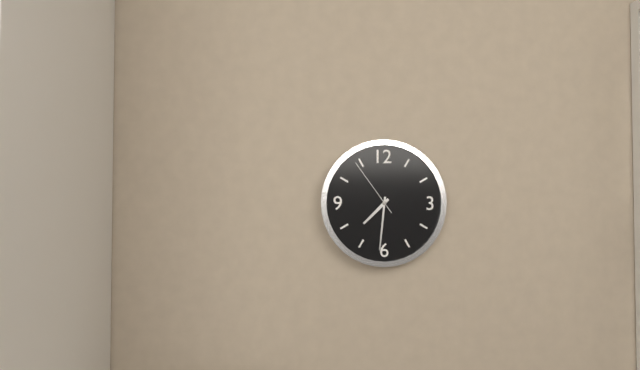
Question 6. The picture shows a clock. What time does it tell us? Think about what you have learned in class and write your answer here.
7:31:54
